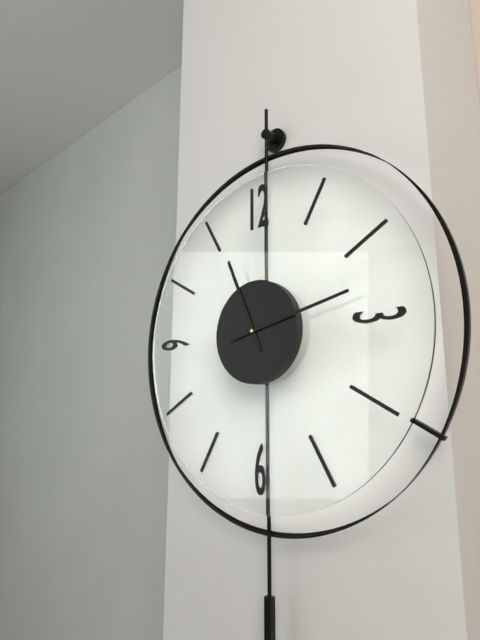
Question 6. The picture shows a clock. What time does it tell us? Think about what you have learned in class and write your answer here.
11:13
